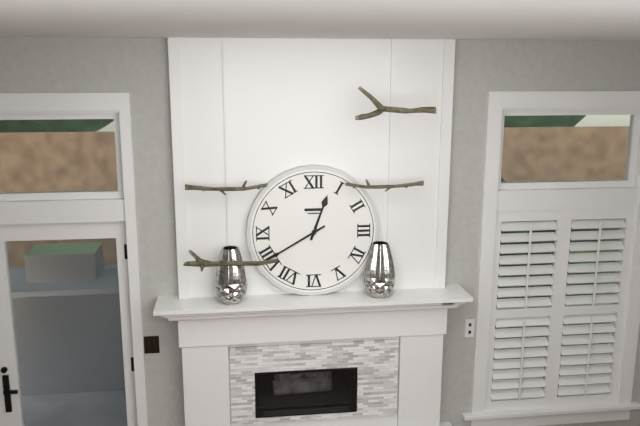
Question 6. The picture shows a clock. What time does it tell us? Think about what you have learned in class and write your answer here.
12:40
